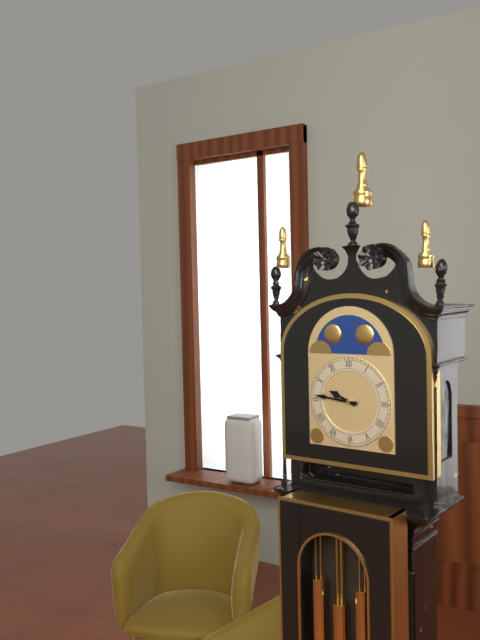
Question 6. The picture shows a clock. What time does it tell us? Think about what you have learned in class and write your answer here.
9:46
